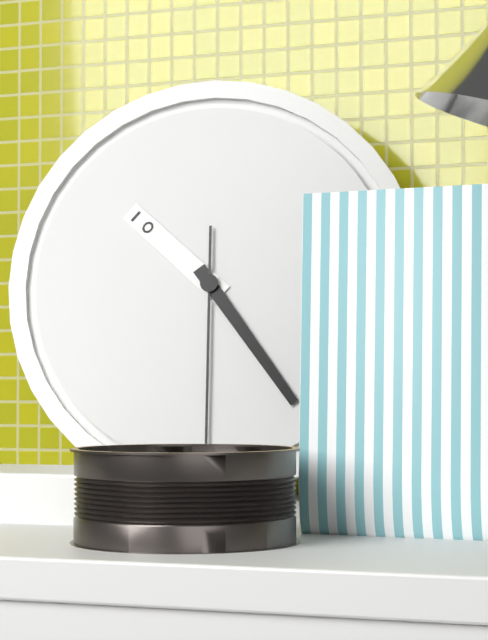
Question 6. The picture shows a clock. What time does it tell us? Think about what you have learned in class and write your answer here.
10:24:30
